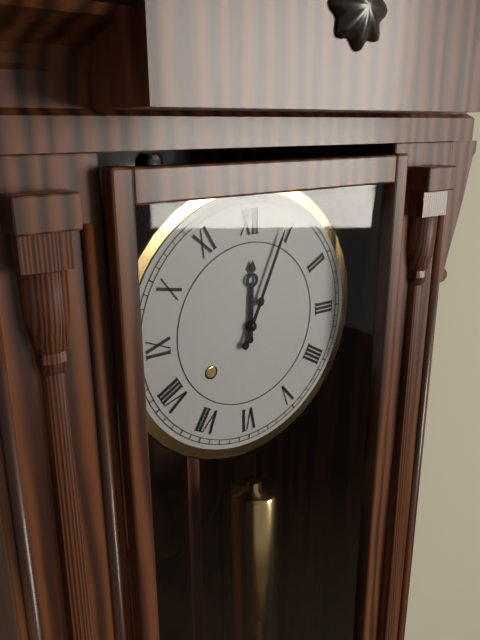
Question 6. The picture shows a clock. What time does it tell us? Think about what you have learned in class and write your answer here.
12:04
